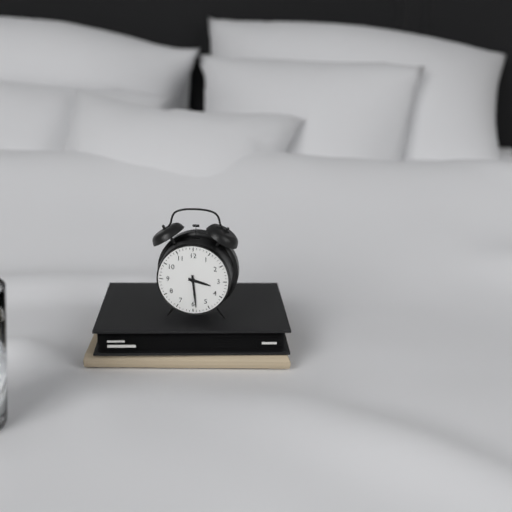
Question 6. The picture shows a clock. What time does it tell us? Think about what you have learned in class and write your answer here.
3:29
